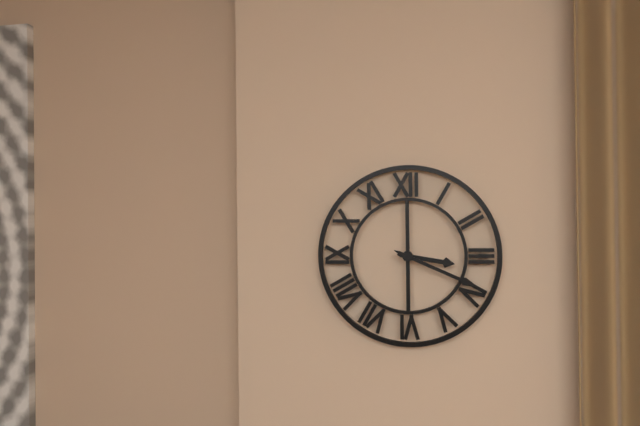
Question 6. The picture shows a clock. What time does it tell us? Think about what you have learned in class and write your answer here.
3:19
